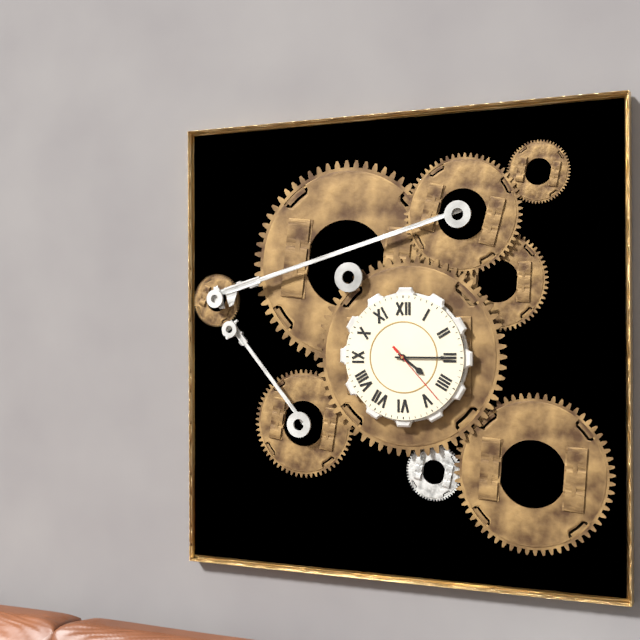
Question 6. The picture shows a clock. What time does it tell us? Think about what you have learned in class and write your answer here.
4:15:23
